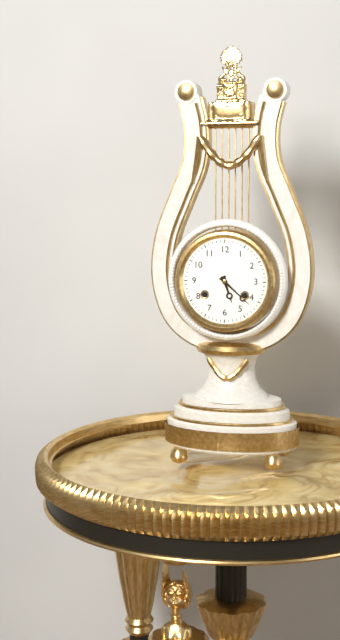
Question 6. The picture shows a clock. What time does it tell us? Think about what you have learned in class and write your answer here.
5:22
